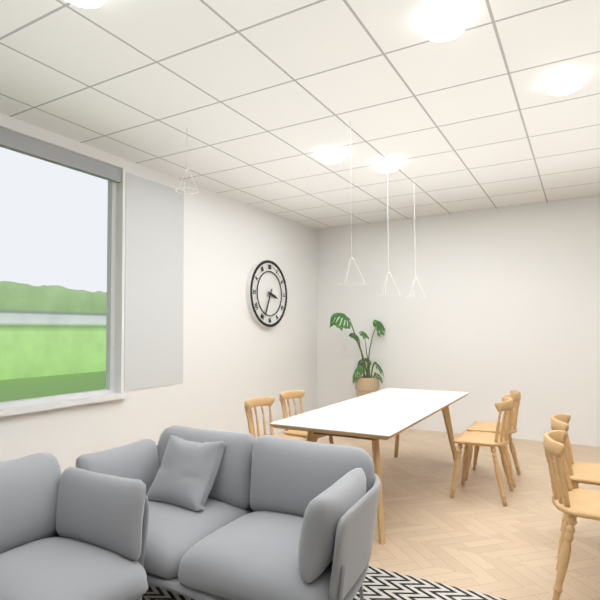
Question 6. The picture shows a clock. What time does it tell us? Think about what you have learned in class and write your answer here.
3:34
